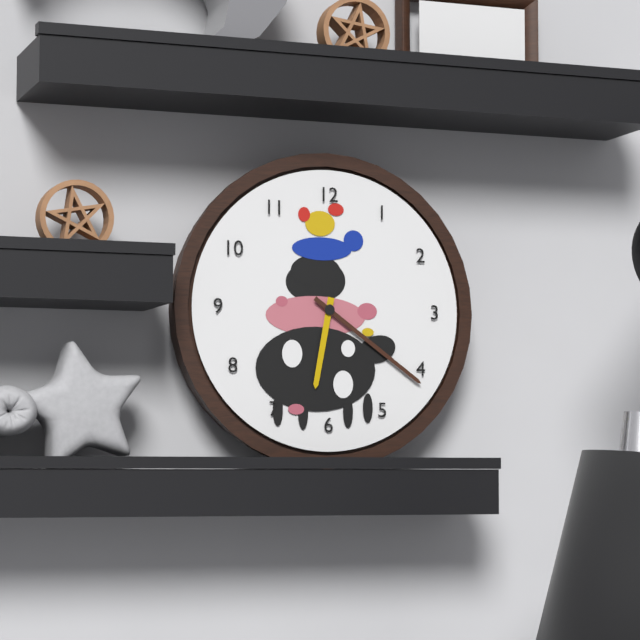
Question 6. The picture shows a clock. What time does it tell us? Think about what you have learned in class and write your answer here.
6:21
